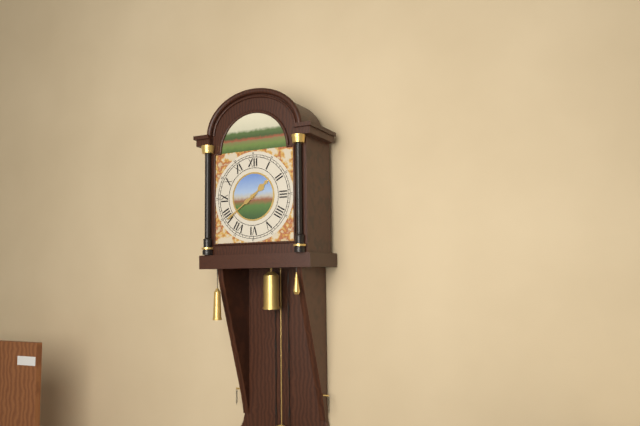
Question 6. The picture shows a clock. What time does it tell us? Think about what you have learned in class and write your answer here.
1:39
